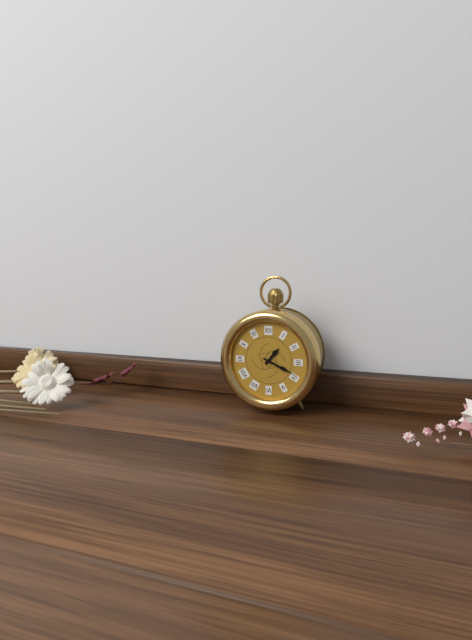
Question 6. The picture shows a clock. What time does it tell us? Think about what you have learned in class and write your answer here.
1:19
